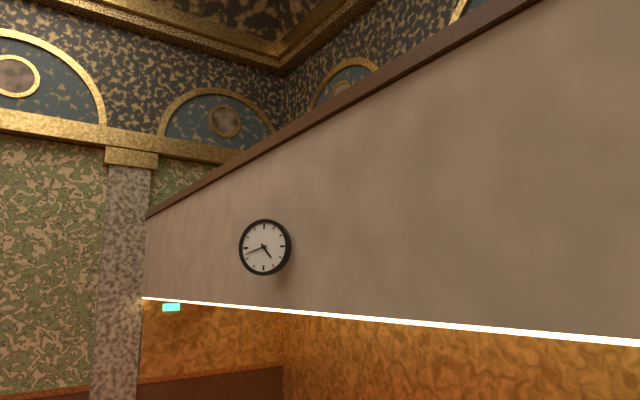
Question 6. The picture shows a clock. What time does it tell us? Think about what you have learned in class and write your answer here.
4:42
